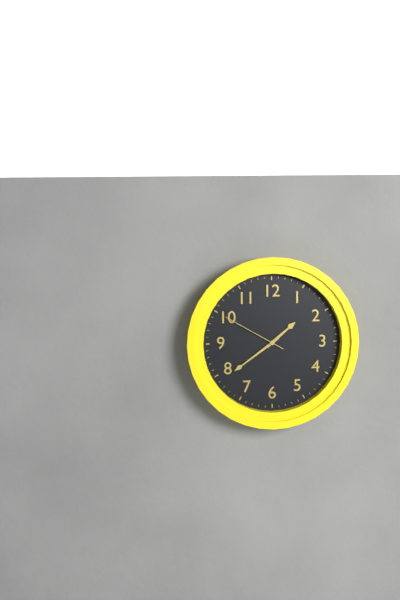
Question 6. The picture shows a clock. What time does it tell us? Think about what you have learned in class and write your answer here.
1:39:50
